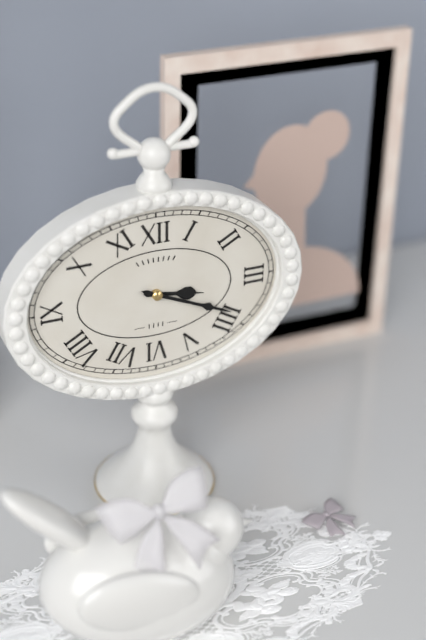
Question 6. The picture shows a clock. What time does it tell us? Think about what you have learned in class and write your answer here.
3:19
